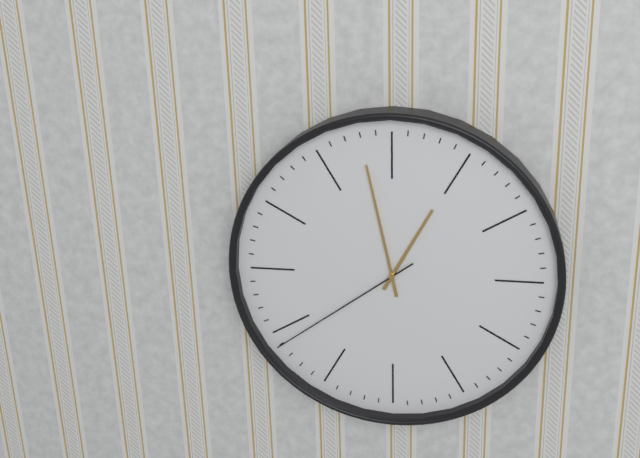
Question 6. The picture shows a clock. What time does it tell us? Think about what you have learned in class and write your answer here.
12:58:39
